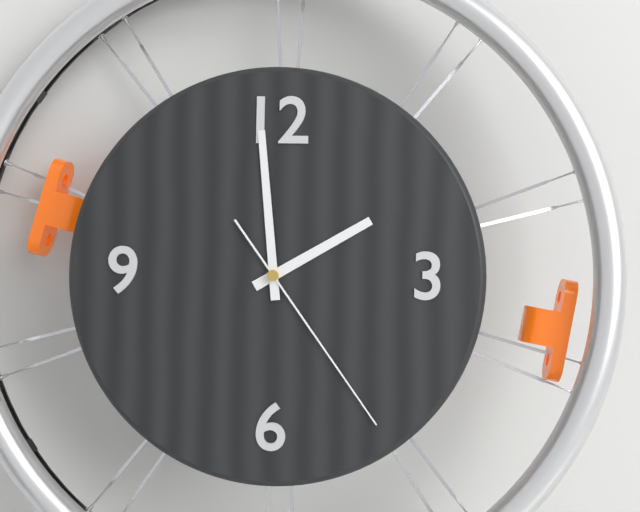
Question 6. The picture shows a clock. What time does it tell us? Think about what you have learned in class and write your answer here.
1:59:24
